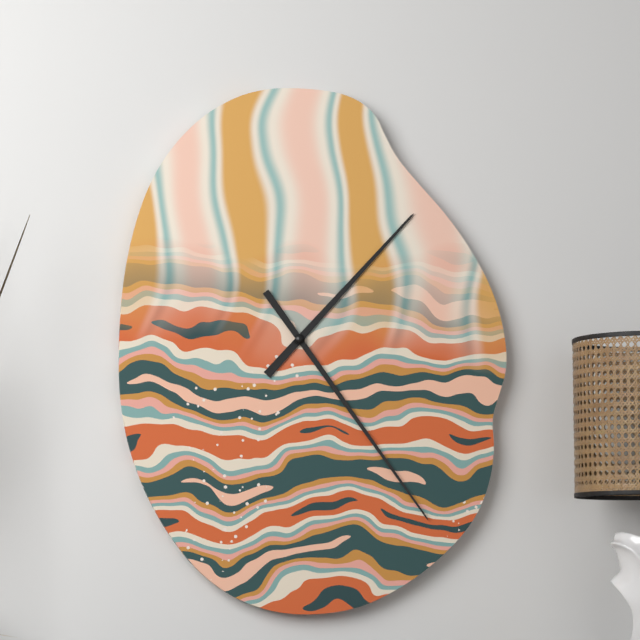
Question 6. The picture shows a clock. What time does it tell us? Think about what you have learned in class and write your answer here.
1:24
